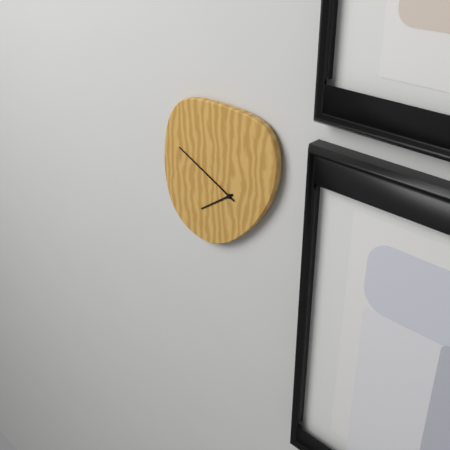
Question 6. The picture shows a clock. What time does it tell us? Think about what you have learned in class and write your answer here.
7:49
